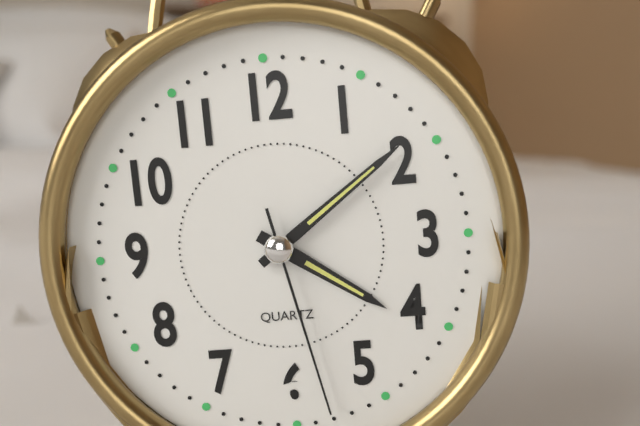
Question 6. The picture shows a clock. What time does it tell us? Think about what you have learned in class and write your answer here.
4:09:28
